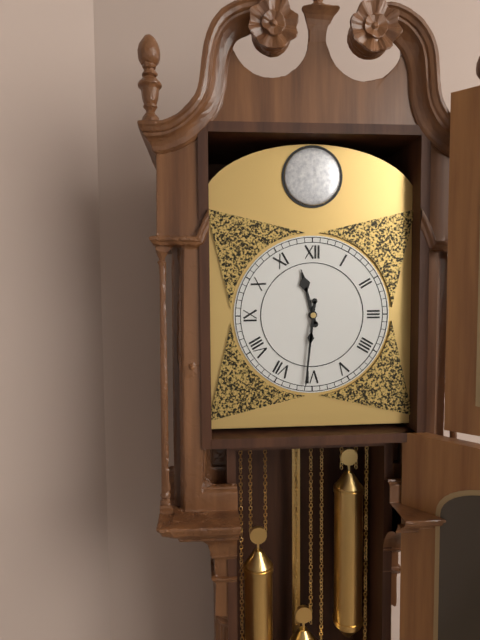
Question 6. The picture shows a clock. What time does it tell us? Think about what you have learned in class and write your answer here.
11:31
